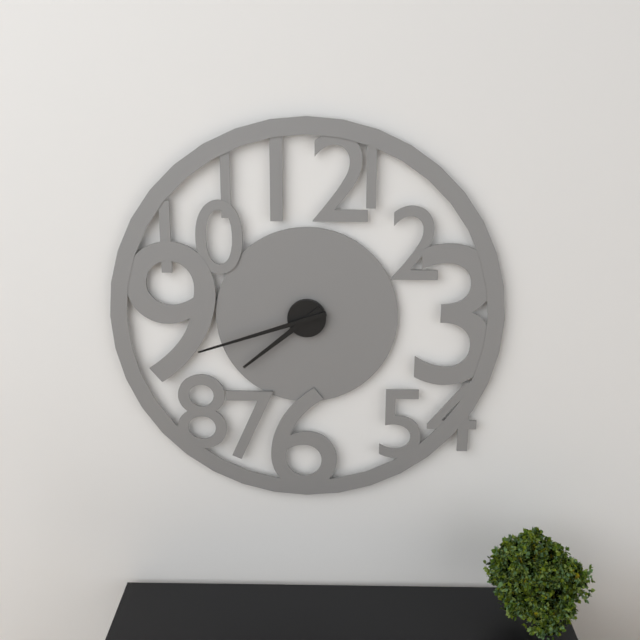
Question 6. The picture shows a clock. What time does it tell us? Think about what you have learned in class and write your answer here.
7:42
